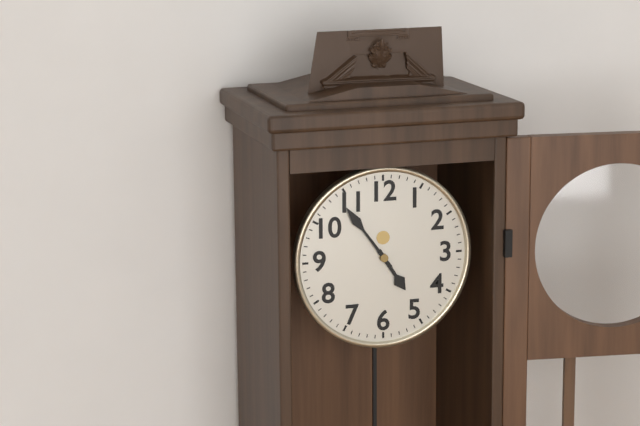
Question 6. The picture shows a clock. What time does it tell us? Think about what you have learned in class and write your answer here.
4:54
